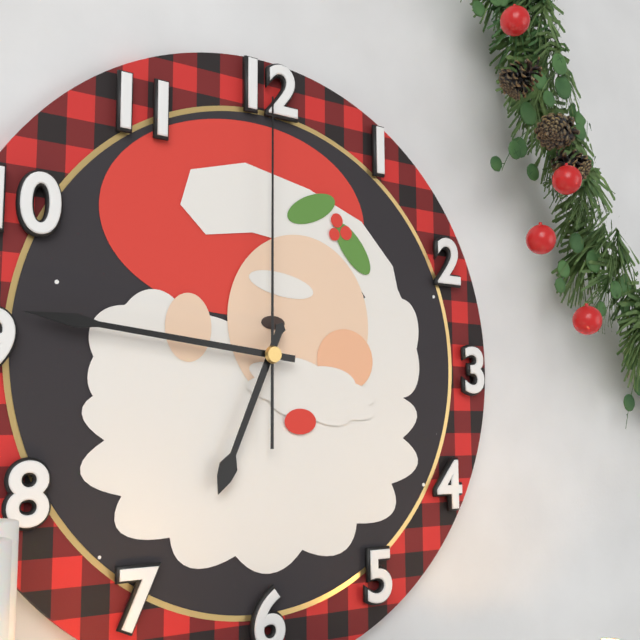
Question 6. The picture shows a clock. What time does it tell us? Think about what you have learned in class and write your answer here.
6:46:00
